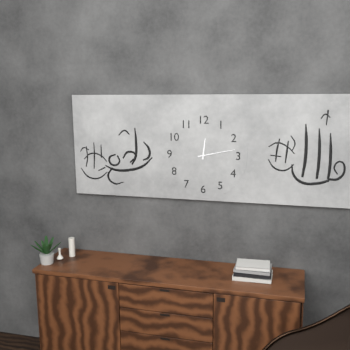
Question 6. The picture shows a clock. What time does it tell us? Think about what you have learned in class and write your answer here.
12:13
